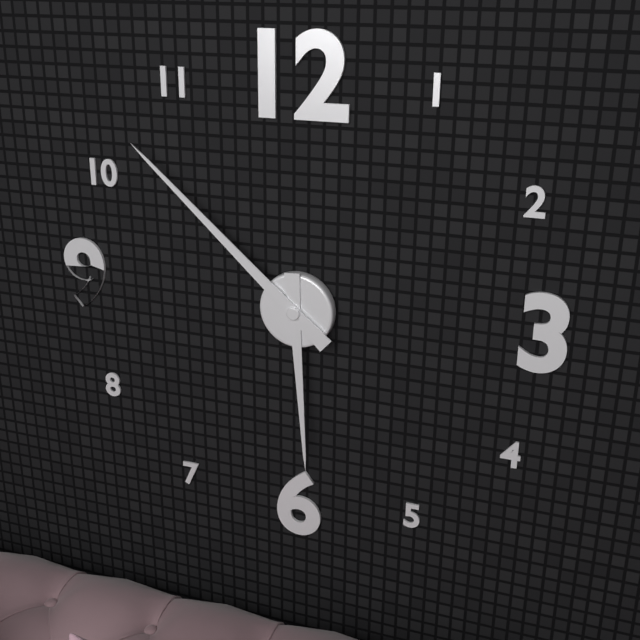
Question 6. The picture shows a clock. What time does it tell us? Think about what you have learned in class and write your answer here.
5:52
